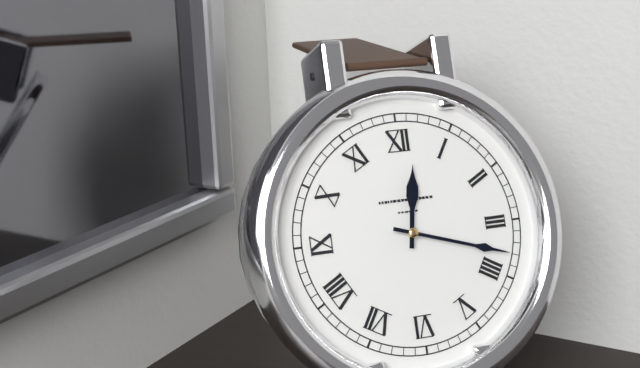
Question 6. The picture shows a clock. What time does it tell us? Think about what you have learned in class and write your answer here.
12:18
